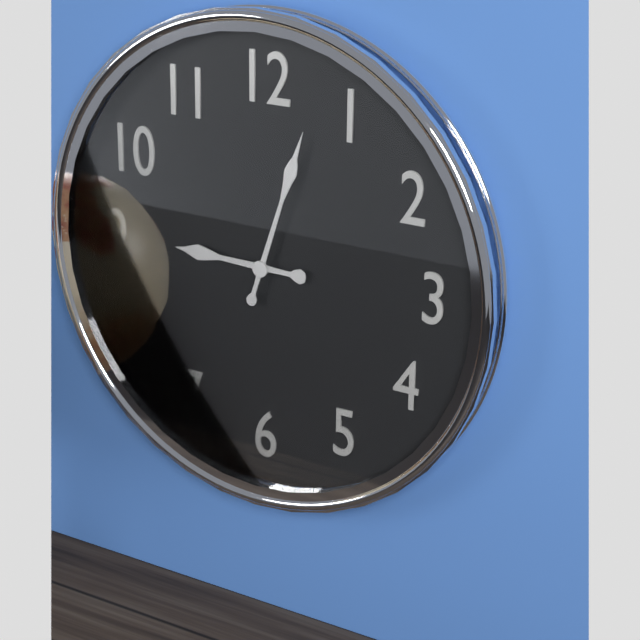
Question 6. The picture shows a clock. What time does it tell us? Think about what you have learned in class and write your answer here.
9:03
